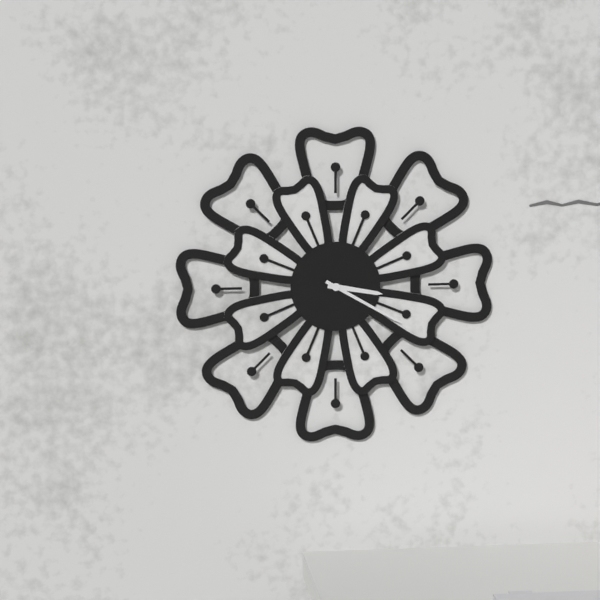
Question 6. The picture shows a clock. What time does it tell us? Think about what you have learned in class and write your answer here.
3:20
